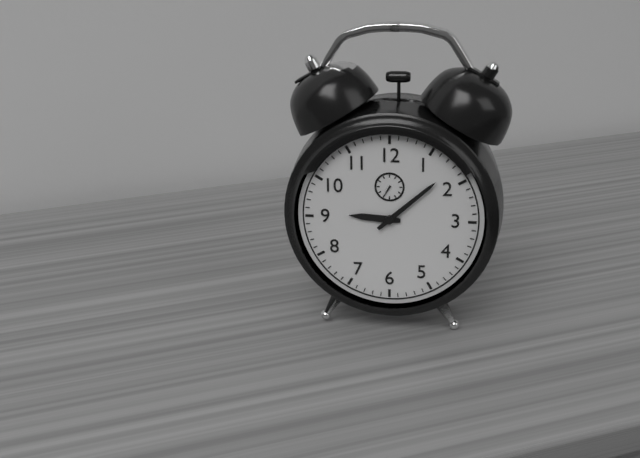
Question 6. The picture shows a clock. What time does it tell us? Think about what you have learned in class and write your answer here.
9:08
